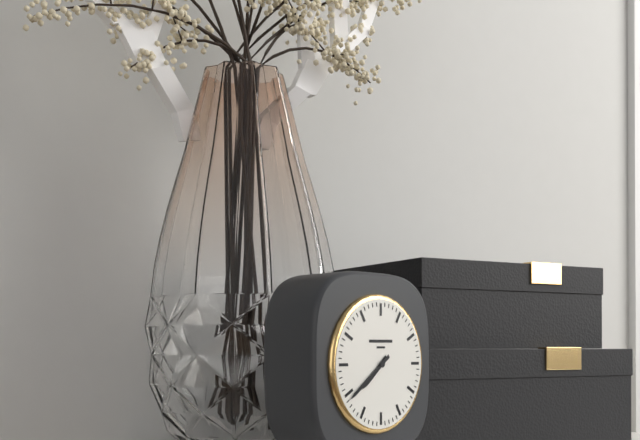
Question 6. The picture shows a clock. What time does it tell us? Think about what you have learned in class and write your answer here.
7:39
